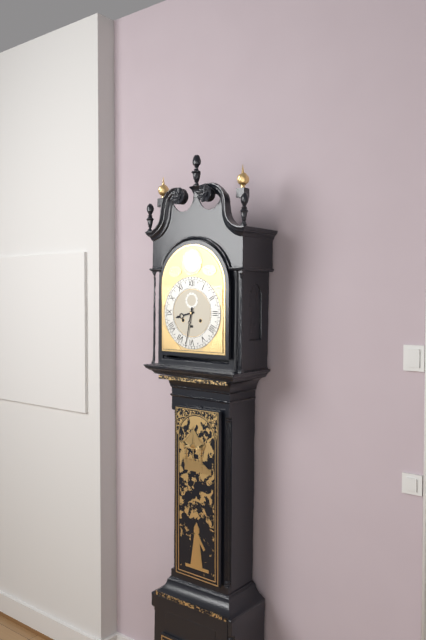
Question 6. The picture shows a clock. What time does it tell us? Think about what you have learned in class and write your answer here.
8:32
